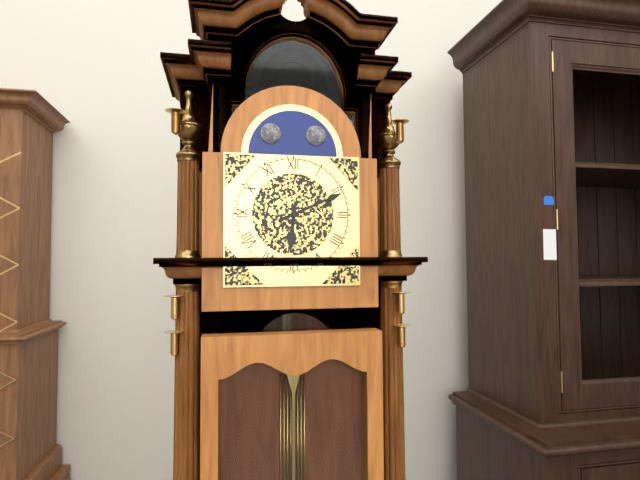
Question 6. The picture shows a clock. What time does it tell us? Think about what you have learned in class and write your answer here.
6:11
